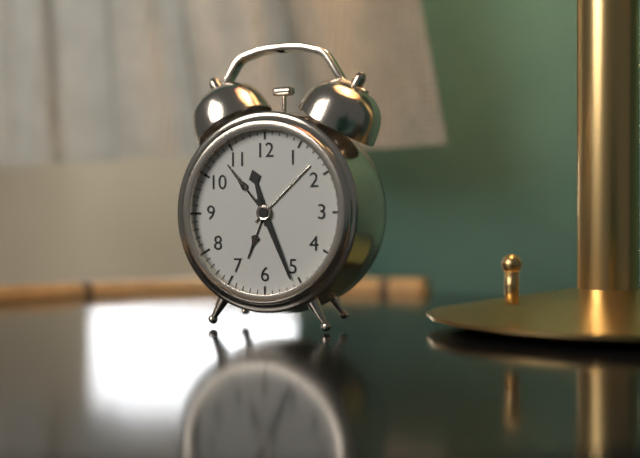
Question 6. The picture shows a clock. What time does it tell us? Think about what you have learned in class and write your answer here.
11:26
